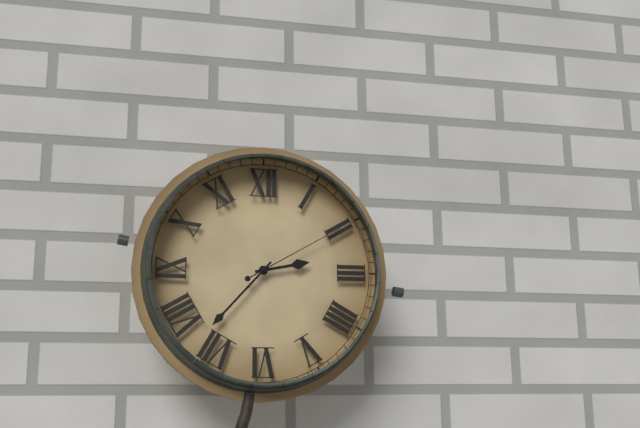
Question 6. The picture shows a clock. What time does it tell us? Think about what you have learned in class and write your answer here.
2:37:10
